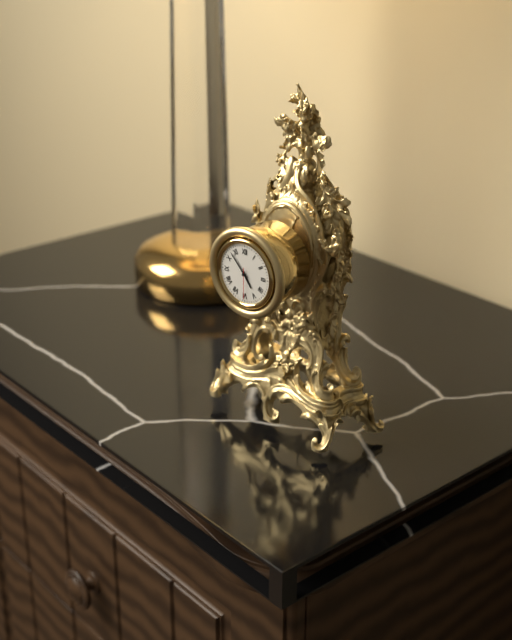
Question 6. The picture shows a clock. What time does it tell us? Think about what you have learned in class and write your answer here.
4:53
